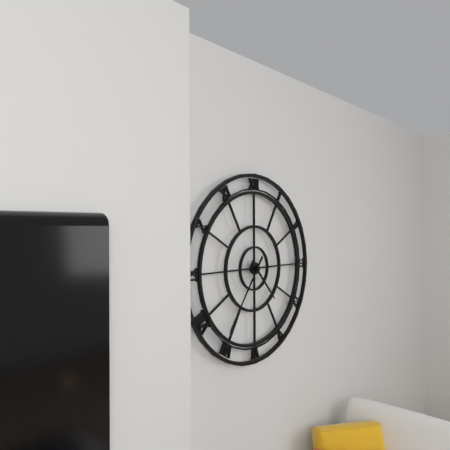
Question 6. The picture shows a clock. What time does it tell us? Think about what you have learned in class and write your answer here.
4:36
